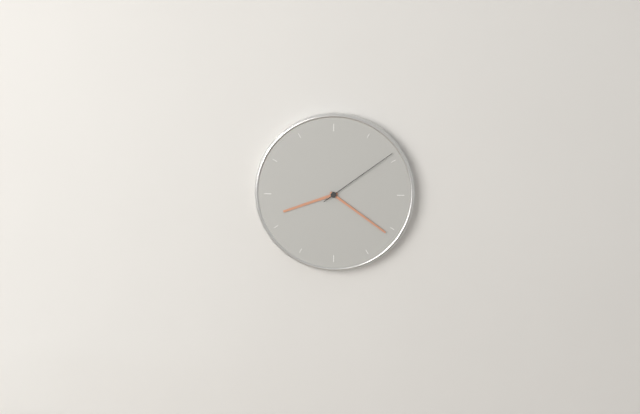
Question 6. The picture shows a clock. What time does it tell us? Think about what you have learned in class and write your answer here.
8:21:09
